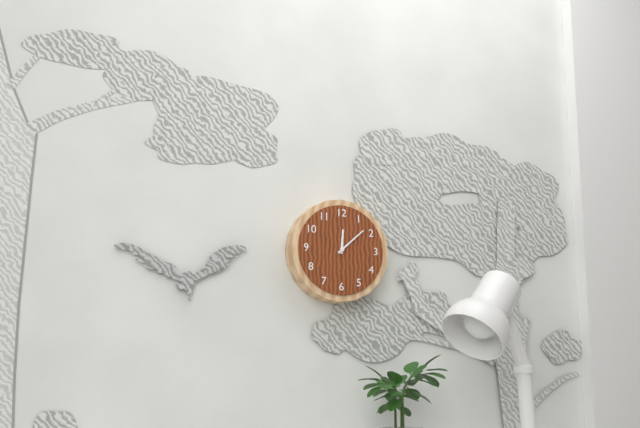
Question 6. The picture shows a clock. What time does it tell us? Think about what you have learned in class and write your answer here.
12:08
